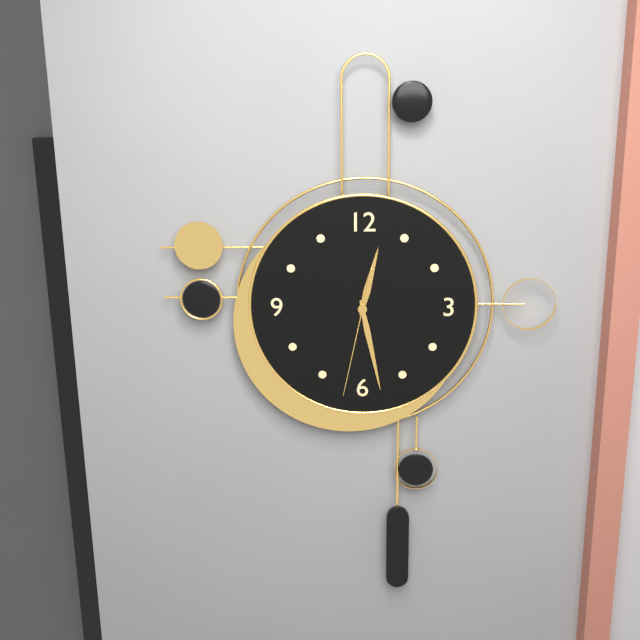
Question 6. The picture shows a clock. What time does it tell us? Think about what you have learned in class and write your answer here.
12:28:32
